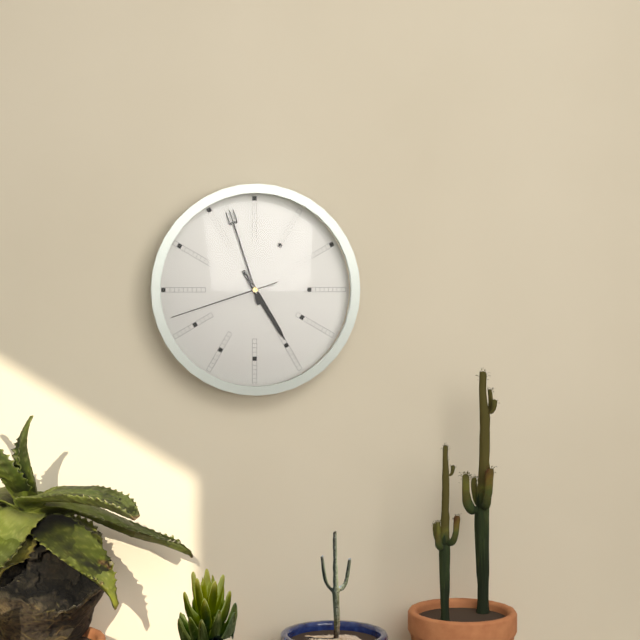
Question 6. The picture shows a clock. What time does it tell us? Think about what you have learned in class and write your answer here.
4:57:42
